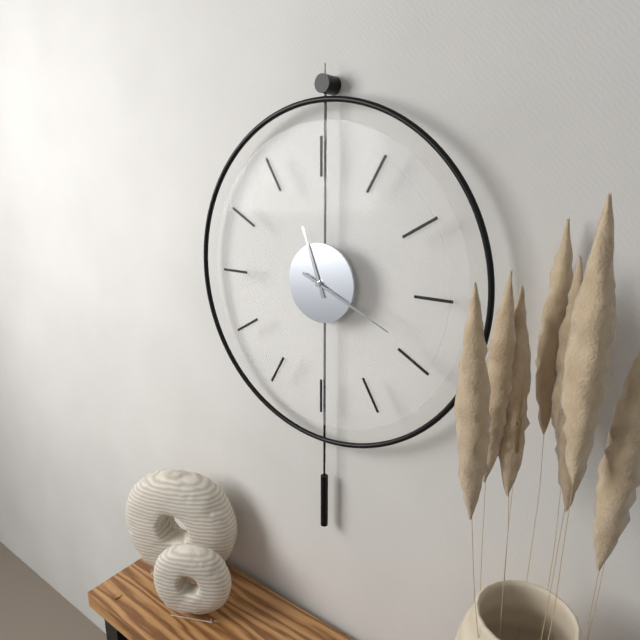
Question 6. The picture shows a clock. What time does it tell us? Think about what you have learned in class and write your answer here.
11:19
